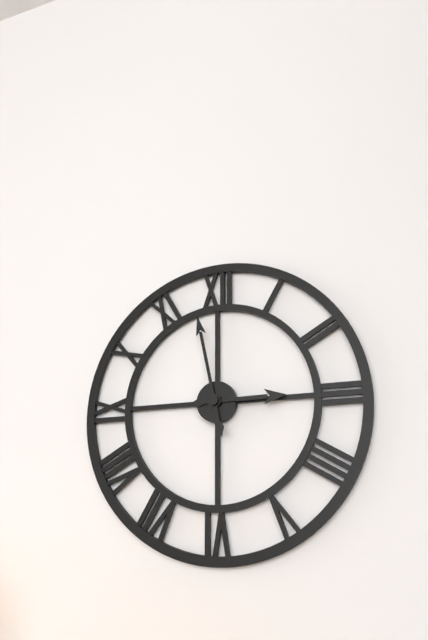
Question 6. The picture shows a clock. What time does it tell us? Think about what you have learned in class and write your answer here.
2:58
